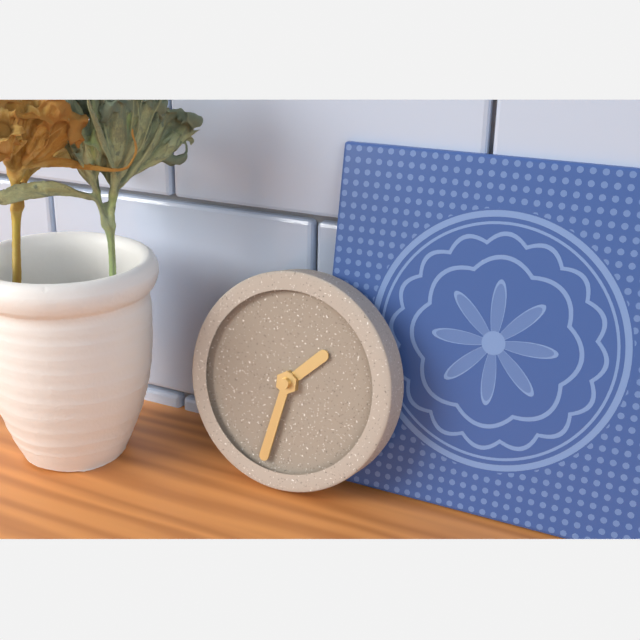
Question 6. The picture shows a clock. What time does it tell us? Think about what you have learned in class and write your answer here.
1:32
